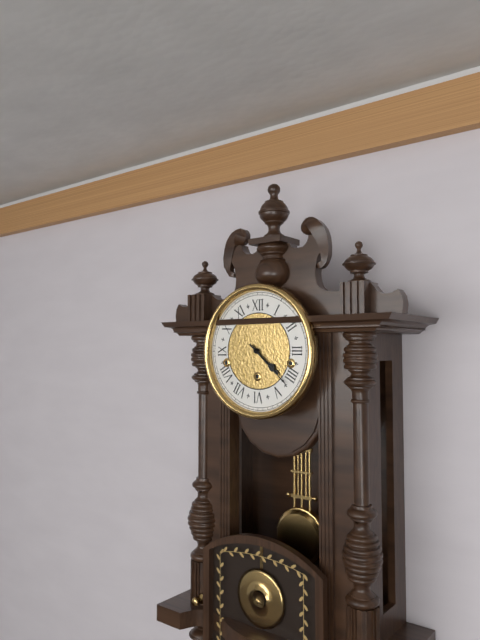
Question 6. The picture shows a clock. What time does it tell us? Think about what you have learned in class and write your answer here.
4:22
